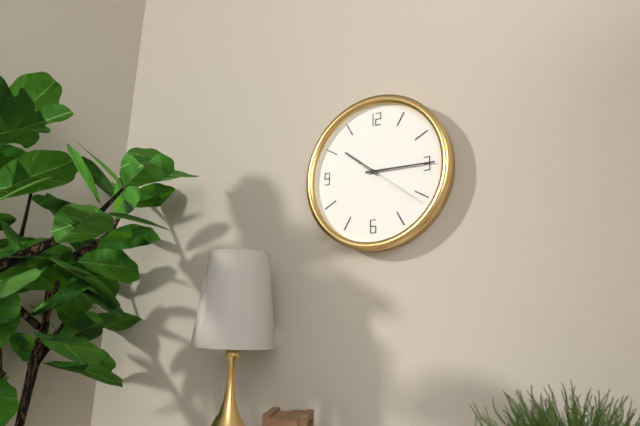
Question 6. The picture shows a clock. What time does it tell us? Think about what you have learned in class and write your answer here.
10:15:21
